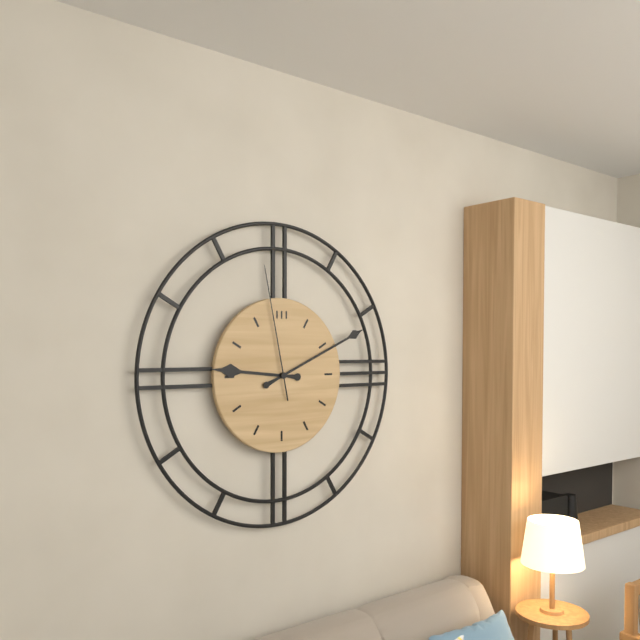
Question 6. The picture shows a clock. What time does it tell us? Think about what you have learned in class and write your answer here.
9:11:58
